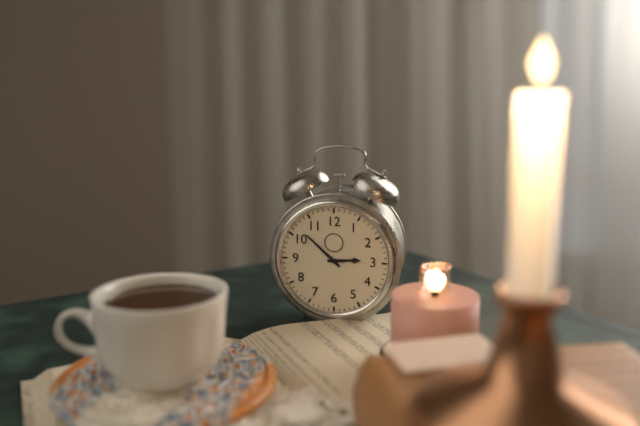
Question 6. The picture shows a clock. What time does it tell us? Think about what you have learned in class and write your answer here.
2:52
